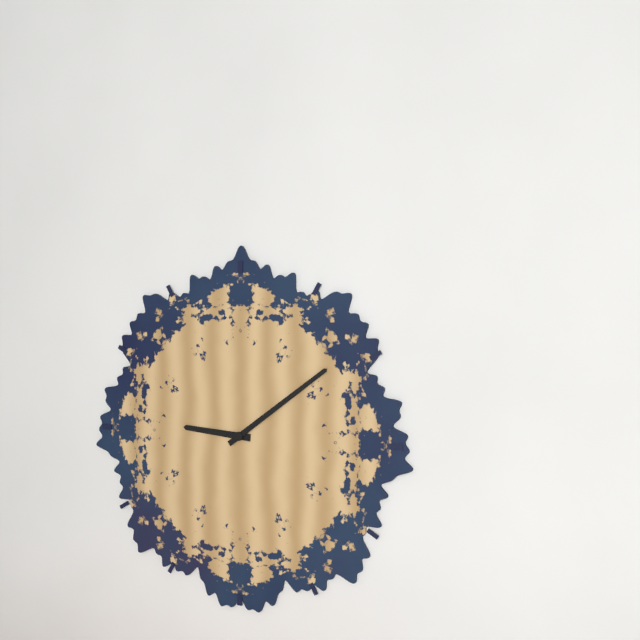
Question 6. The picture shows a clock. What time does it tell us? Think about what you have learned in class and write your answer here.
9:09
